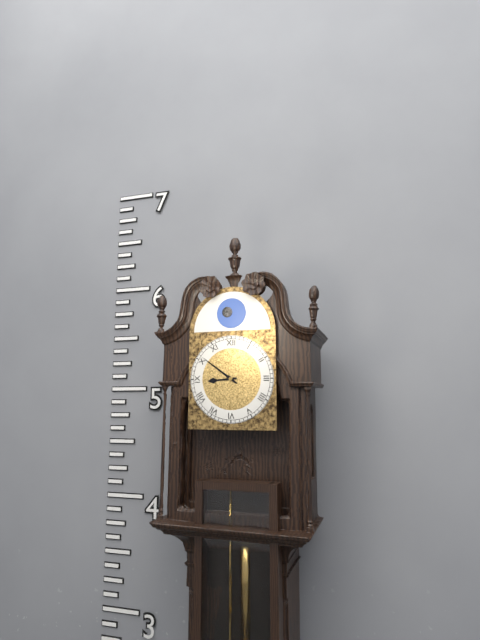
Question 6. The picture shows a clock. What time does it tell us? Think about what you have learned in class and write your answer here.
8:51
